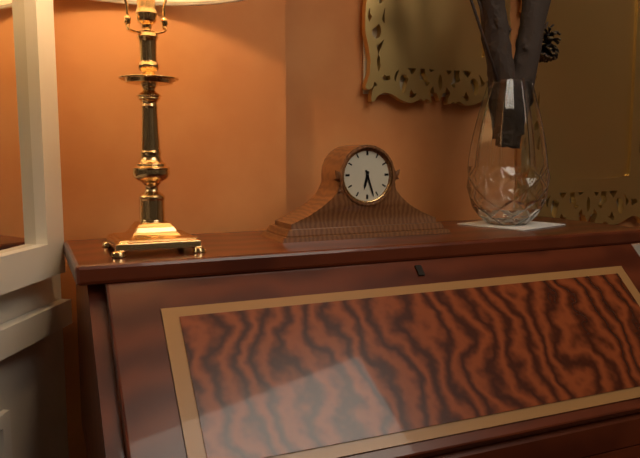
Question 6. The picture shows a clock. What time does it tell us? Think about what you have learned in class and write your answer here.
6:27
